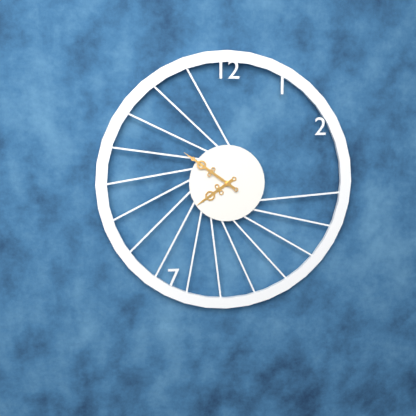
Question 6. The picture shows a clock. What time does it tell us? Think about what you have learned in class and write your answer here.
7:51
